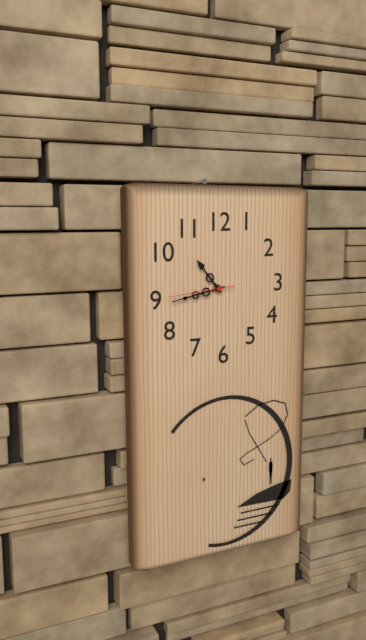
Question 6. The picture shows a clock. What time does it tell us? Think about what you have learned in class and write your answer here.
10:43:44
